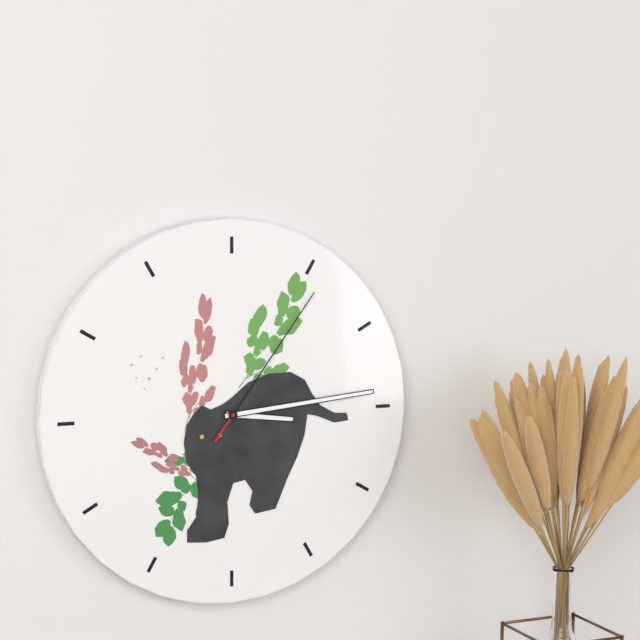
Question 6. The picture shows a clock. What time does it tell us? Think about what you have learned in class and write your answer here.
3:14:06
